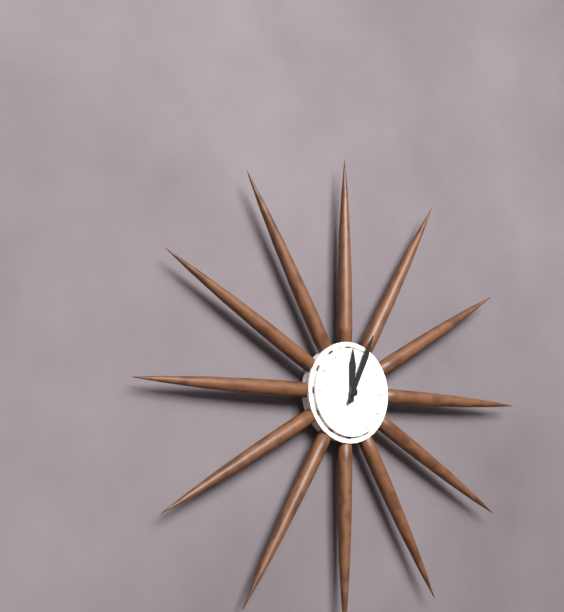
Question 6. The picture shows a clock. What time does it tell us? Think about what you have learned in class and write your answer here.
12:04
